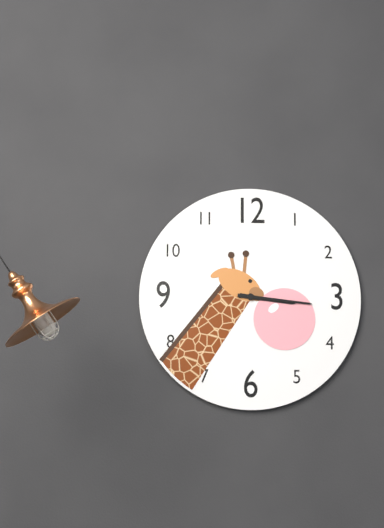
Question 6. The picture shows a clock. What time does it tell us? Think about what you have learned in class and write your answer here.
3:16
